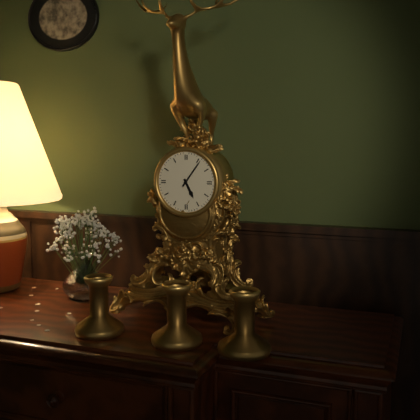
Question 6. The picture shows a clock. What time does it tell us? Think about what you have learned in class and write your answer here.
5:06
